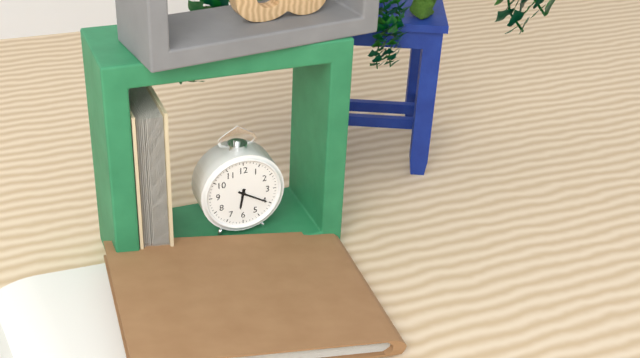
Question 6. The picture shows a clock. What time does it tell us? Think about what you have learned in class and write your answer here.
6:20
